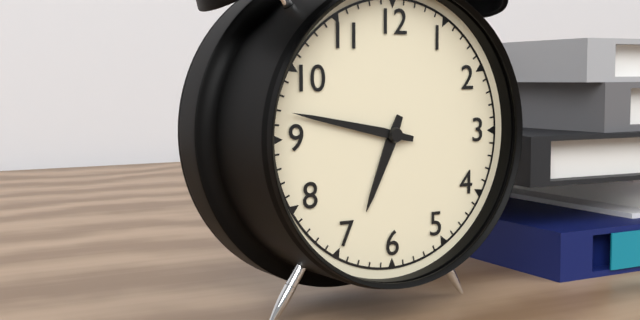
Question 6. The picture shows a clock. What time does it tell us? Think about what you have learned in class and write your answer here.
6:47
